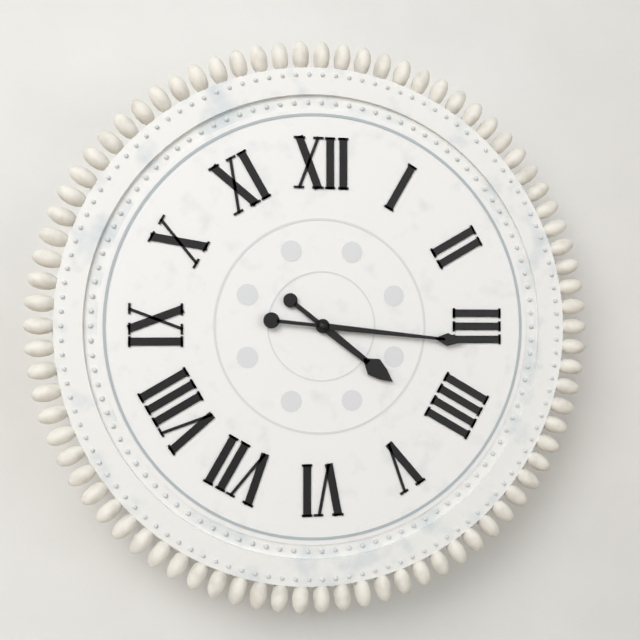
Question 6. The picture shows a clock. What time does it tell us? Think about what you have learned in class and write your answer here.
4:16
